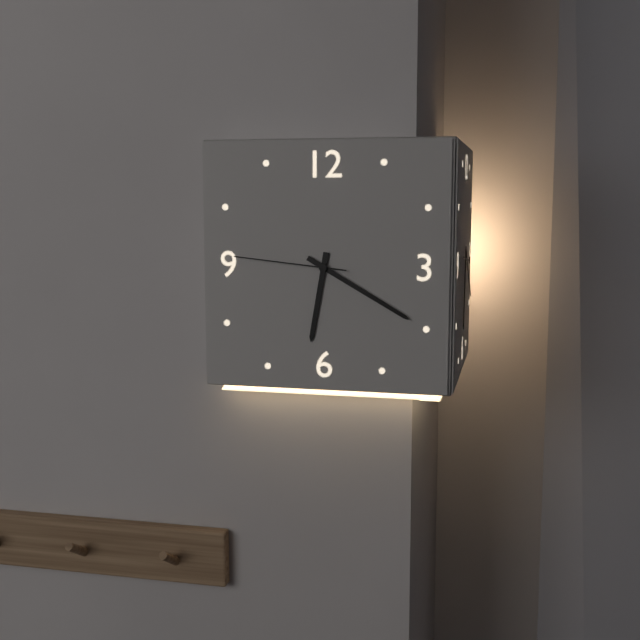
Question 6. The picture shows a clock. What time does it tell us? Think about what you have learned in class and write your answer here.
6:20:46
